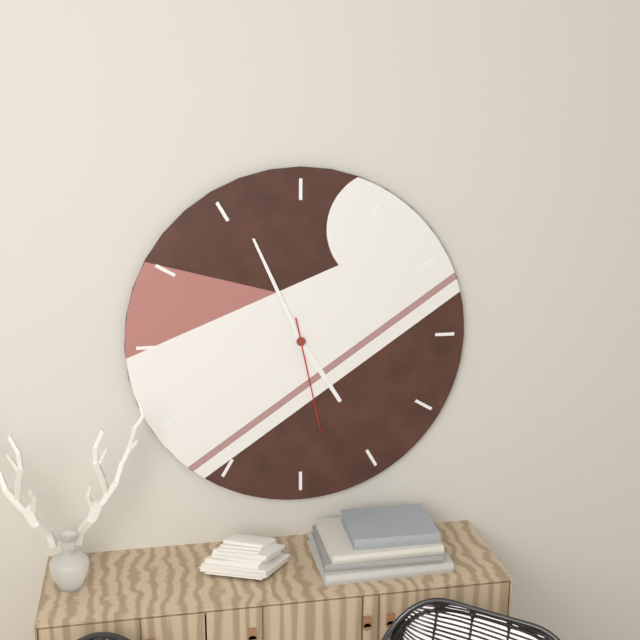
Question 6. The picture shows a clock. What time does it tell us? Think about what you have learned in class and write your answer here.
4:56:28
